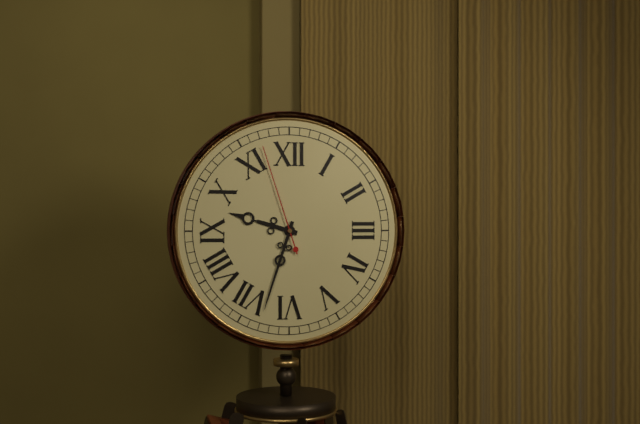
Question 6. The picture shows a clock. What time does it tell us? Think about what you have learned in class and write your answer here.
9:33:57
